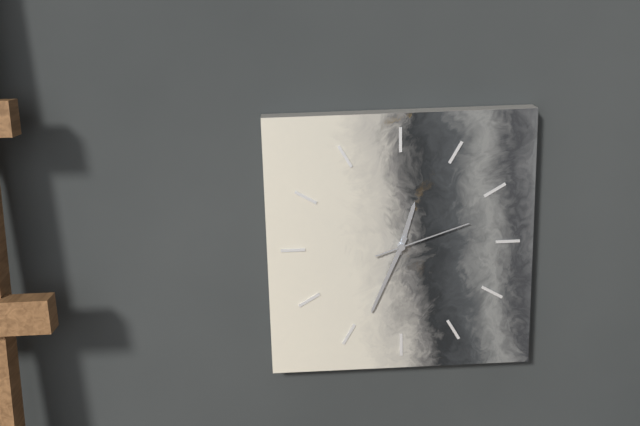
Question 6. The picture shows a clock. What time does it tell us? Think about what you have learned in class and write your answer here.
12:34:12
